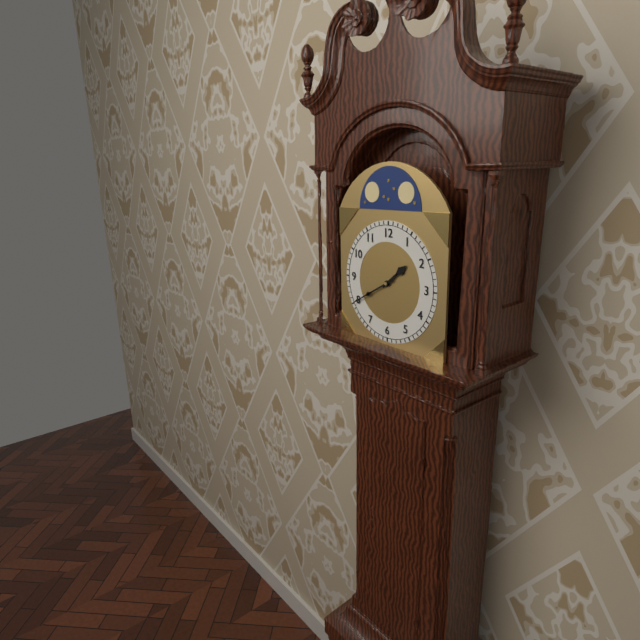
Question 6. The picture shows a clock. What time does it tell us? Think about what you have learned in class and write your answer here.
1:40
